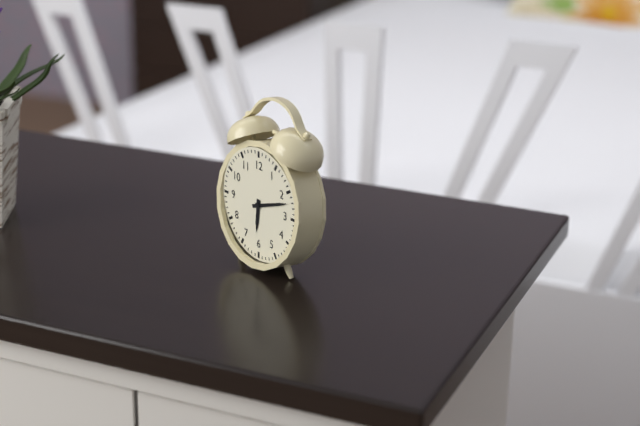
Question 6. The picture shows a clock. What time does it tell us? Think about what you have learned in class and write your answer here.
6:12
